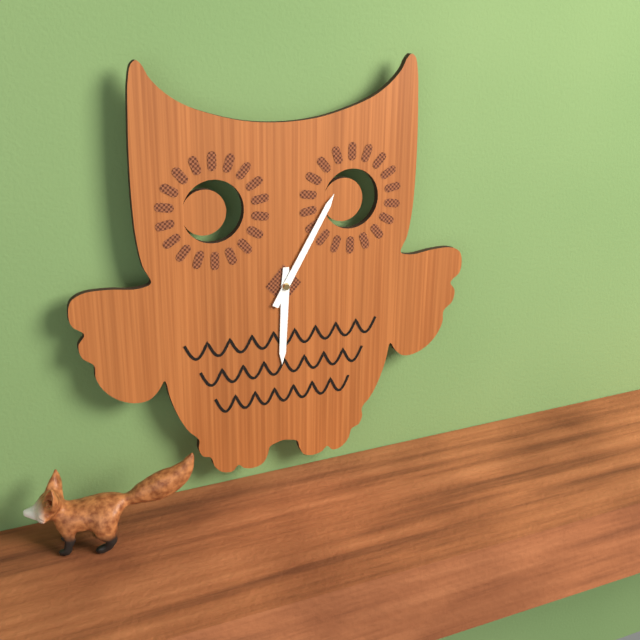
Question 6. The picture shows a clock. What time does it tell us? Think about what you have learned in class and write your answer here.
6:05
